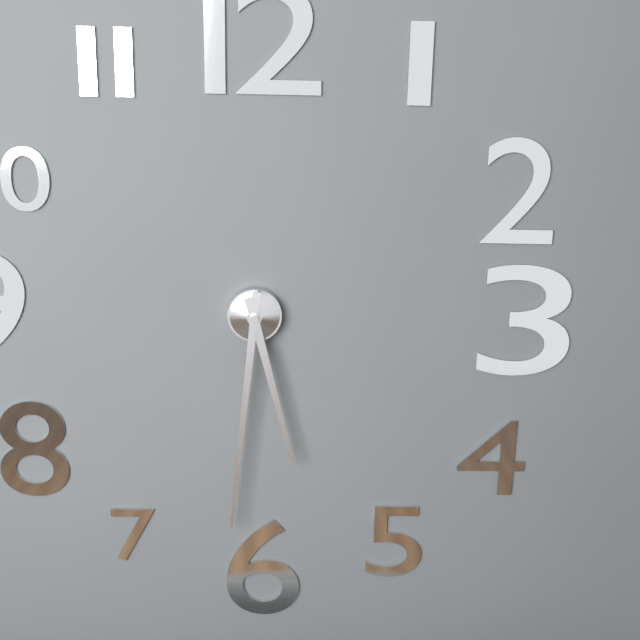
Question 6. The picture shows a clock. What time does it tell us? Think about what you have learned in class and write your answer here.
5:31
